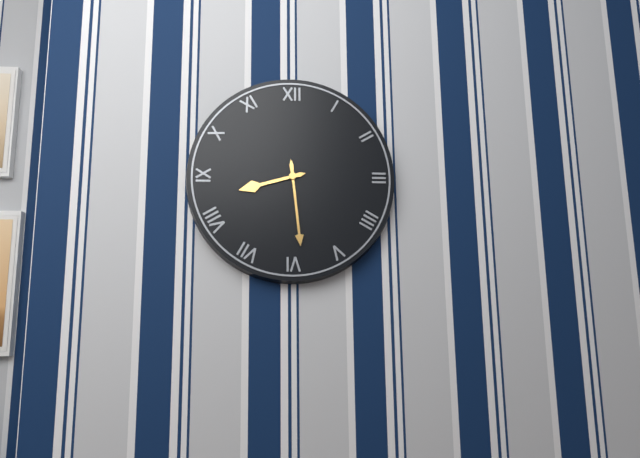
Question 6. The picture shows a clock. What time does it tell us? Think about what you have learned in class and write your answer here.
8:29
